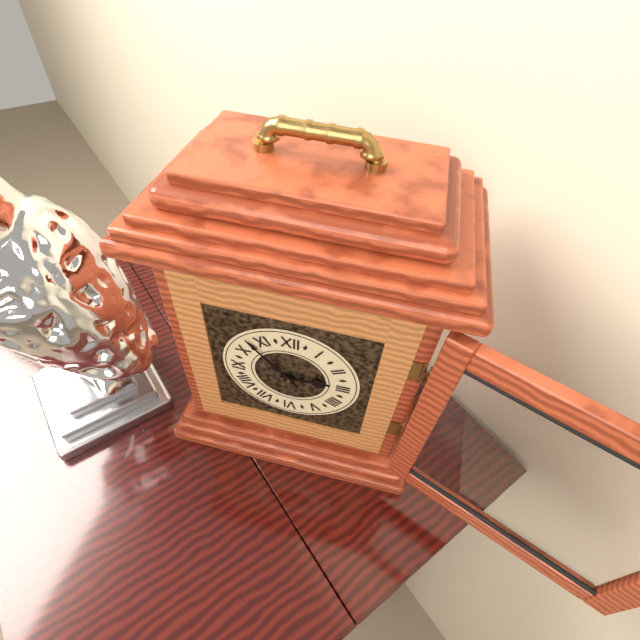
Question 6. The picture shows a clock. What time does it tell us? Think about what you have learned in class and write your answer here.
2:53
